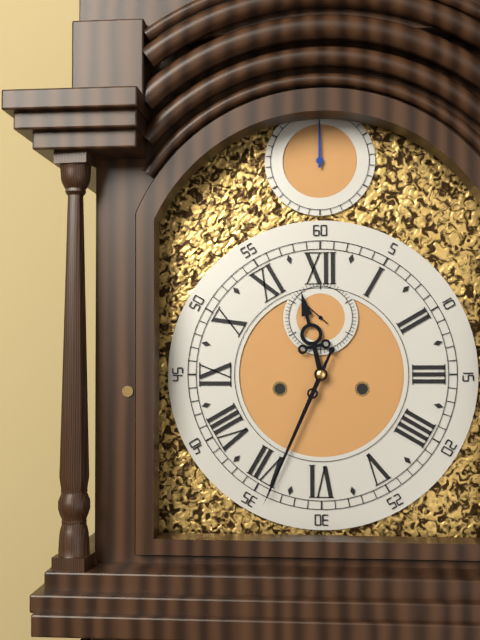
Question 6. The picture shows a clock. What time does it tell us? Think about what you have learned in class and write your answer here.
11:34
